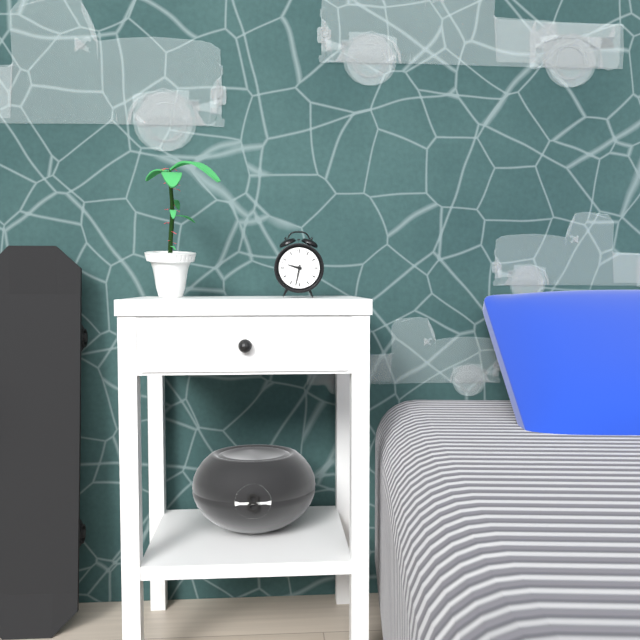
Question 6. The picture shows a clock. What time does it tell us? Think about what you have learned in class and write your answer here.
9:32
